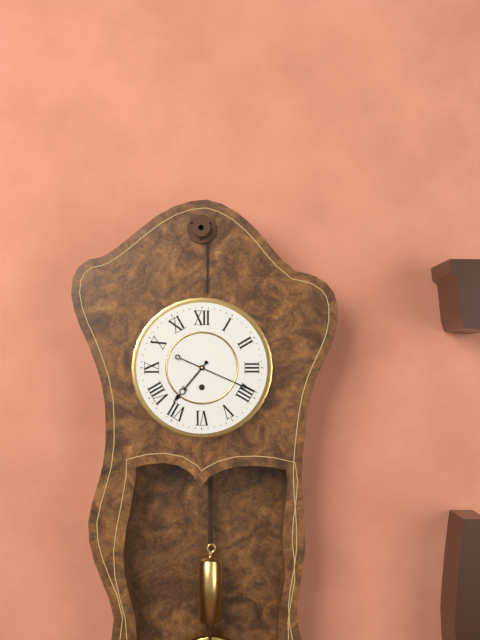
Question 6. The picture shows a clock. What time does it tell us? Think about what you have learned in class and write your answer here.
7:19
